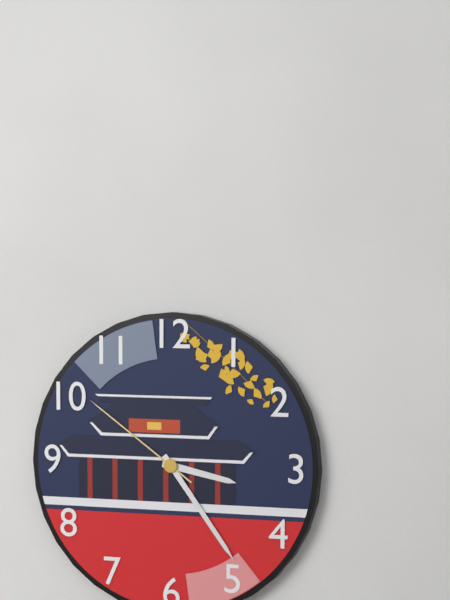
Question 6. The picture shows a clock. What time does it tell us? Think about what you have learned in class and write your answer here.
3:24:51
